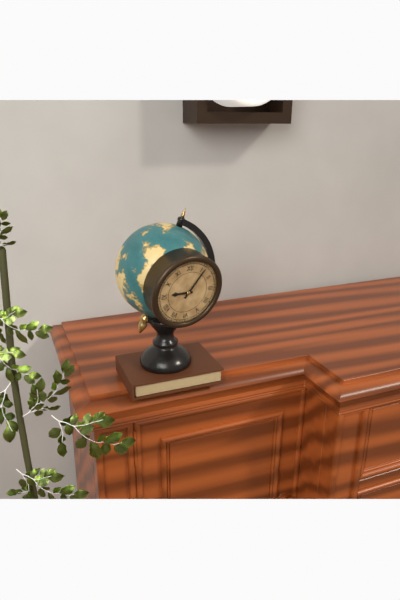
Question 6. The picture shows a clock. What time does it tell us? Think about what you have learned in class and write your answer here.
9:06
